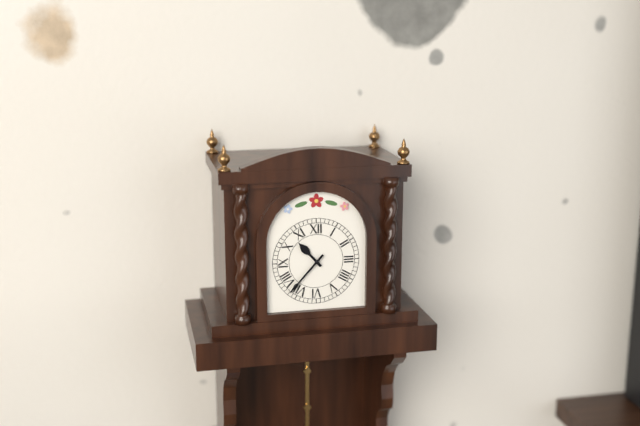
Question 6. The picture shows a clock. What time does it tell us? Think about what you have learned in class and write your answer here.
10:37
